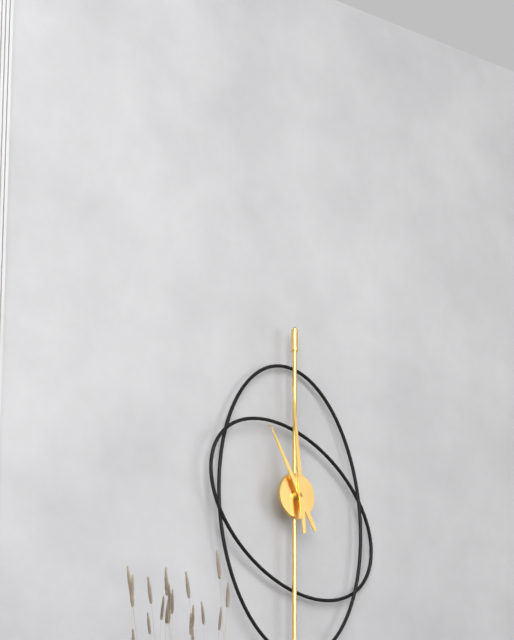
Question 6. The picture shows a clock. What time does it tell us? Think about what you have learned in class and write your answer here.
10:59
